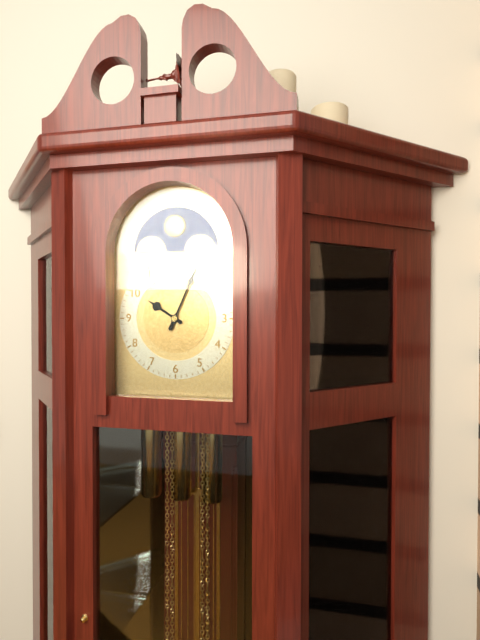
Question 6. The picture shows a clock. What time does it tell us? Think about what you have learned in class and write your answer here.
10:04
